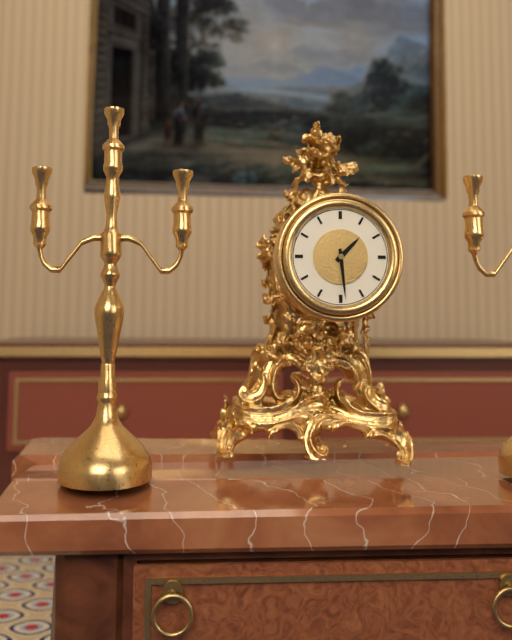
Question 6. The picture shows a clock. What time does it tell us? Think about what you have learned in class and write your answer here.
1:29
